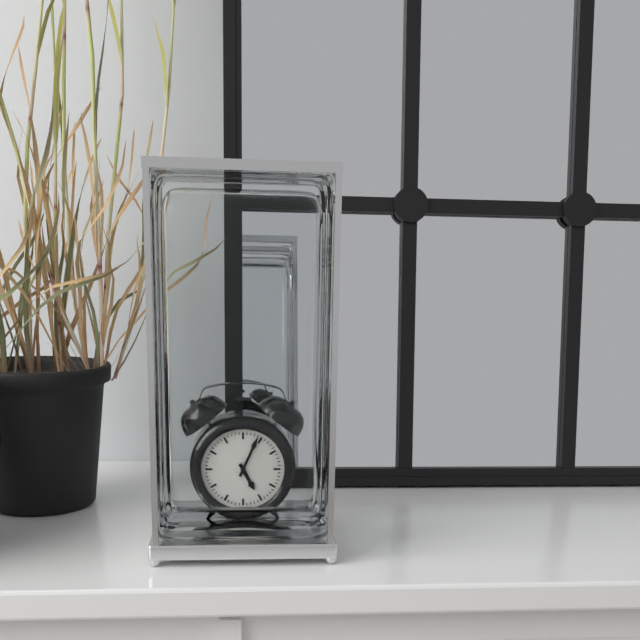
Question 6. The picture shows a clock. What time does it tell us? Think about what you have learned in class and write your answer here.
5:04
